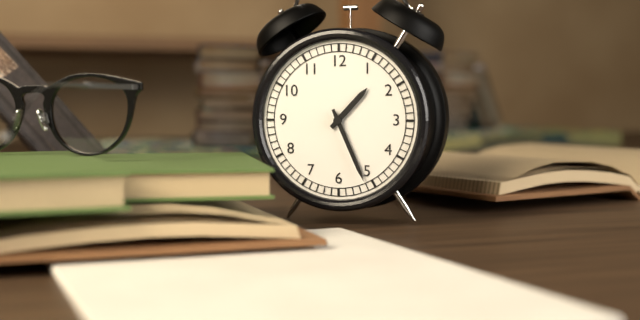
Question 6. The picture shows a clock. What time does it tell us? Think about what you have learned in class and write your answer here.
1:26
